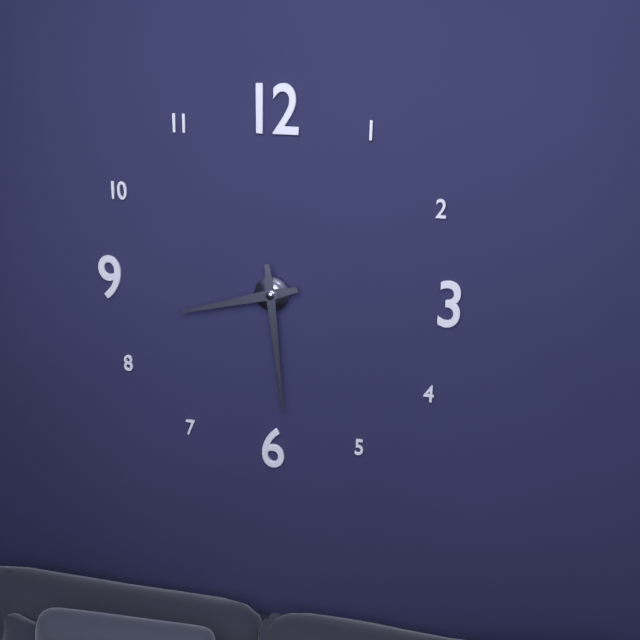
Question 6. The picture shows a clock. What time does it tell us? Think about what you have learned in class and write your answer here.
8:29
